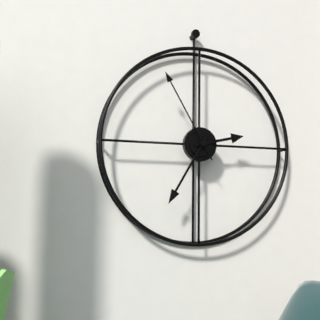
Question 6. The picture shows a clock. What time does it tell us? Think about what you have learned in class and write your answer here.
2:35:55
